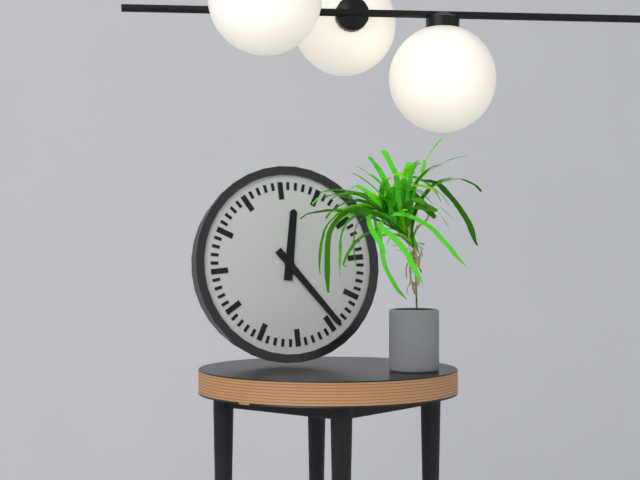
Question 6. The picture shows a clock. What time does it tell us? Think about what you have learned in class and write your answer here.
12:24
